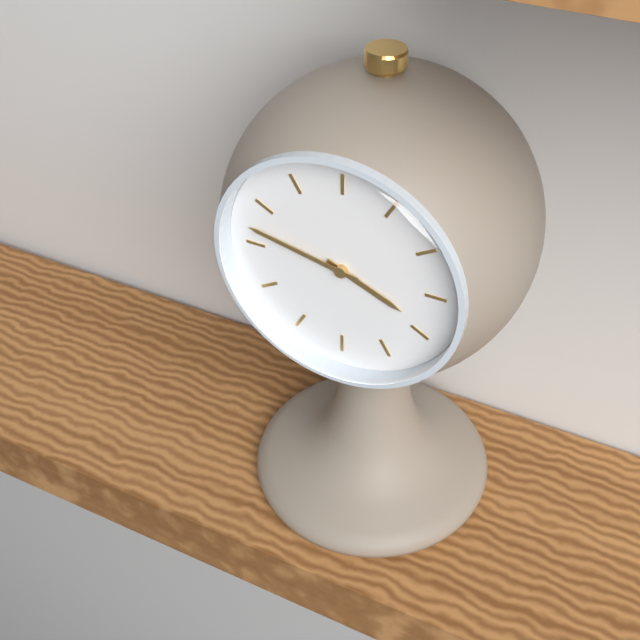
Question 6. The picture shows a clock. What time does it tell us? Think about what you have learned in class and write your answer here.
3:47
